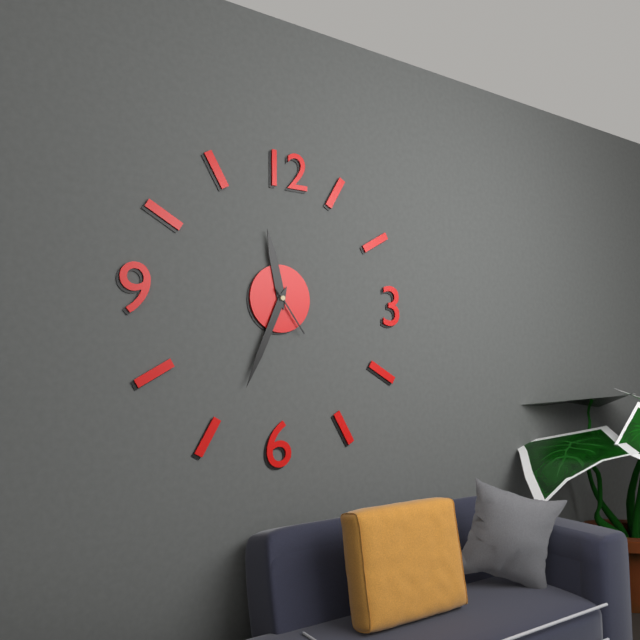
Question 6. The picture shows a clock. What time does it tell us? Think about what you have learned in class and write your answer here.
11:34:24
